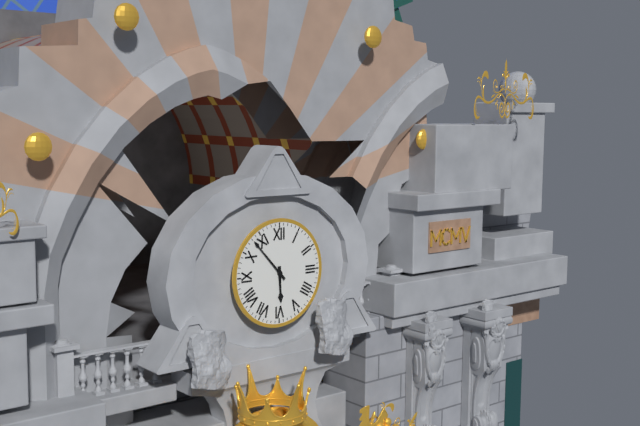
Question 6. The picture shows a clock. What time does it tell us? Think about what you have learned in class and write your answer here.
5:53
